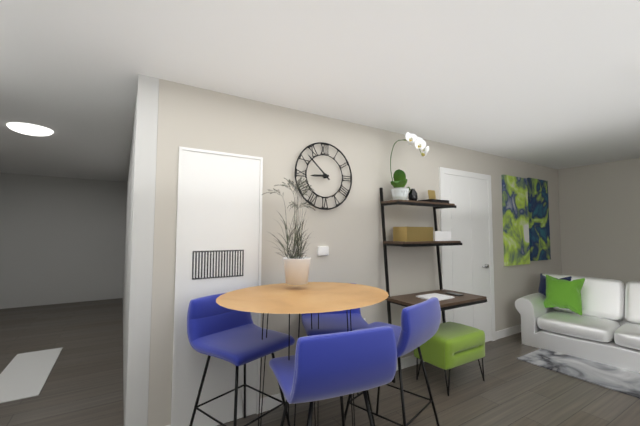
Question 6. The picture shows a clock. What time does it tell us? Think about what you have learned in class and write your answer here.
8:52
